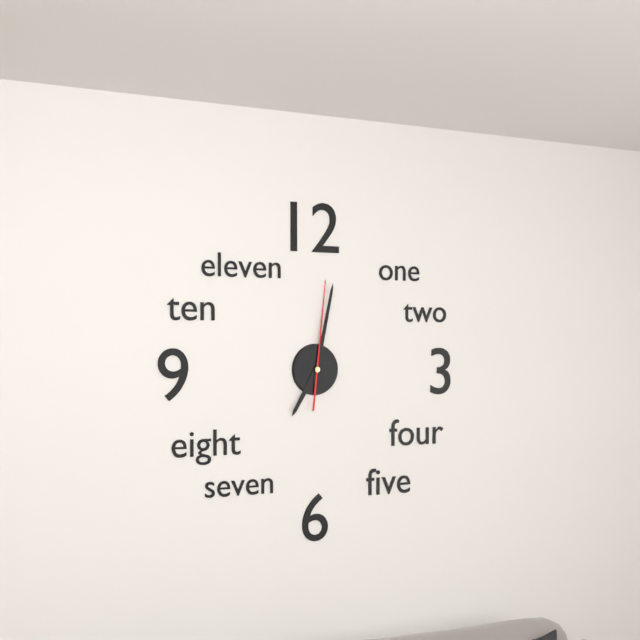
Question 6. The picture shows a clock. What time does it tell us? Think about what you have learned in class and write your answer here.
7:02:01
